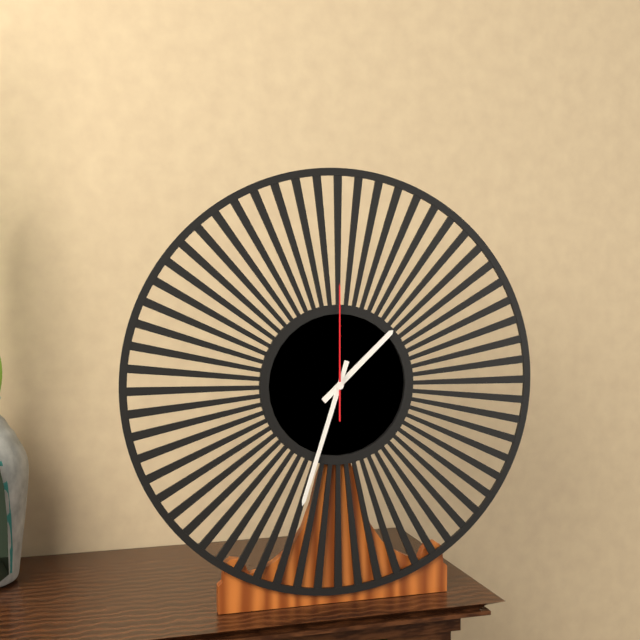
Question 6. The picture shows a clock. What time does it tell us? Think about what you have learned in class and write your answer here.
1:33:00
